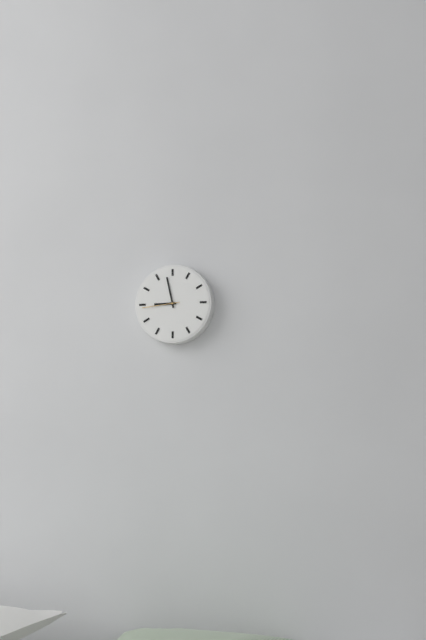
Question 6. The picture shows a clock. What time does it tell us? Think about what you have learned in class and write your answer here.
8:58
